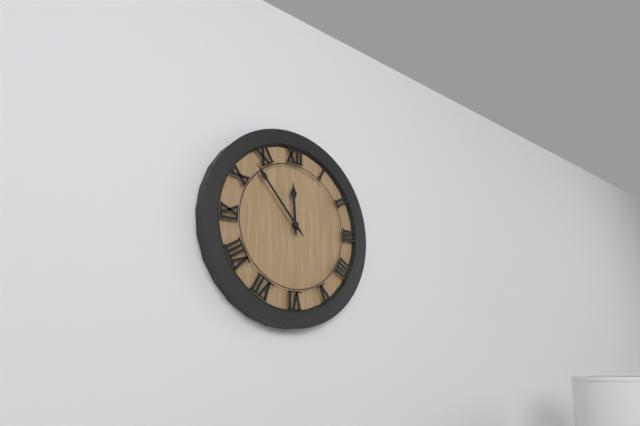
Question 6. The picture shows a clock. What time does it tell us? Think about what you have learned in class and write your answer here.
11:53
